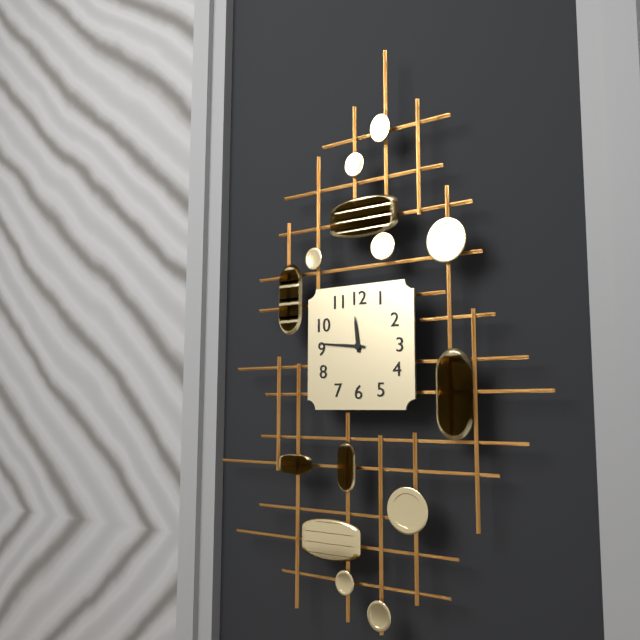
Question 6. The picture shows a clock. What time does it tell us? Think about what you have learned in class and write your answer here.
11:46
